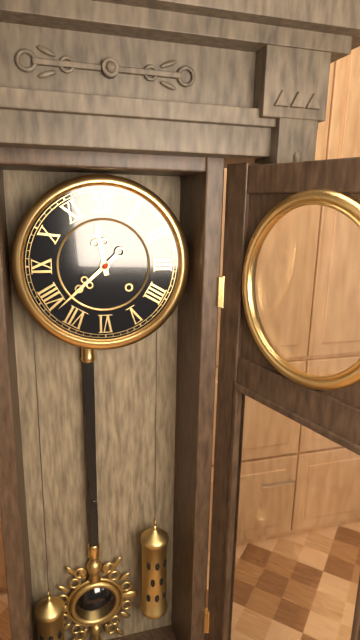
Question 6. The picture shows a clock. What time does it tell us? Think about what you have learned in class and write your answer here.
11:38
